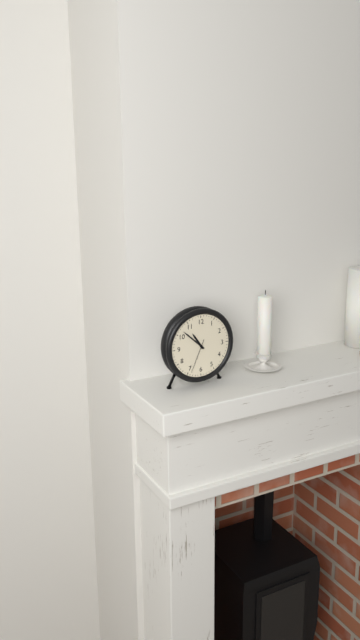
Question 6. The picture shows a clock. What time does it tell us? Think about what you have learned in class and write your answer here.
10:52
